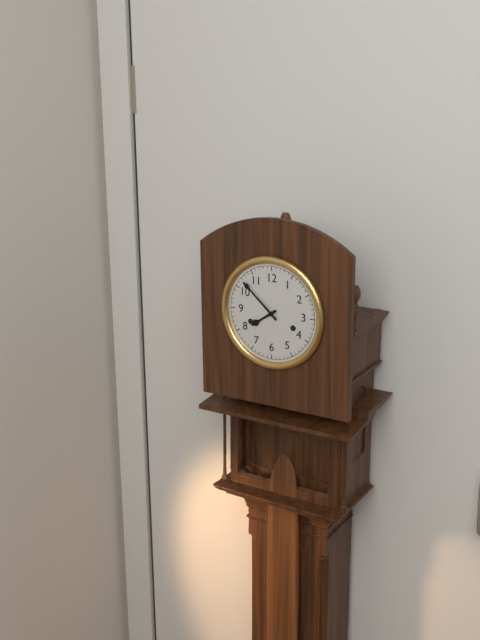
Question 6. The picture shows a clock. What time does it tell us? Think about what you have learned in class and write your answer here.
7:52
